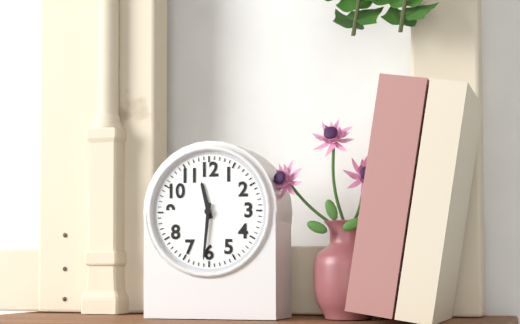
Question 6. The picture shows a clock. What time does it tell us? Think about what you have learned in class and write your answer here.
11:31
